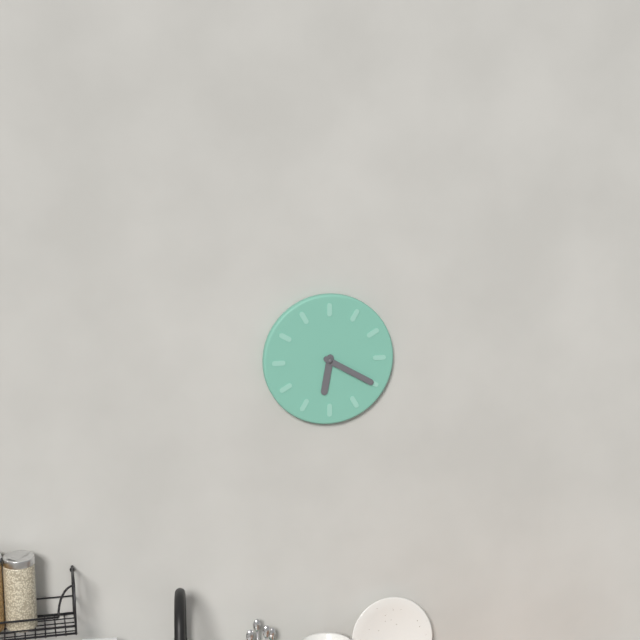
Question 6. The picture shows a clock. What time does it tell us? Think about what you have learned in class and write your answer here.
6:20
